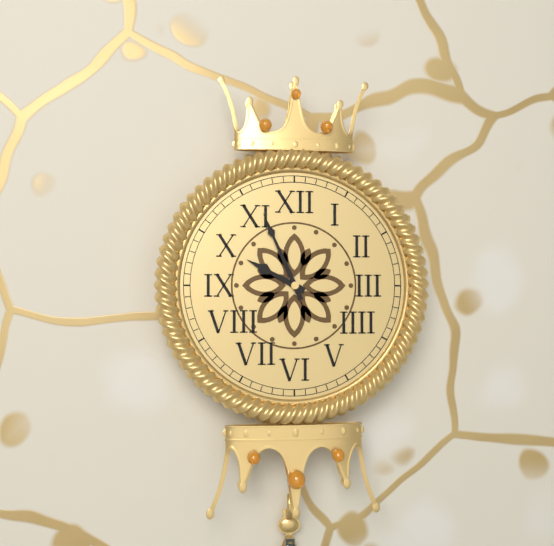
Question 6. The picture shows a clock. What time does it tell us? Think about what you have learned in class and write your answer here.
9:56
